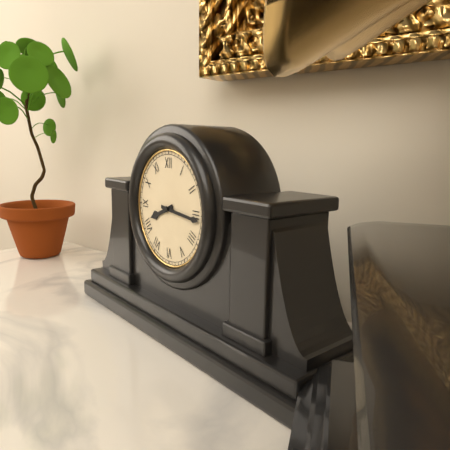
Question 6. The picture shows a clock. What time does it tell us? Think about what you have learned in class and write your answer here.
8:16
